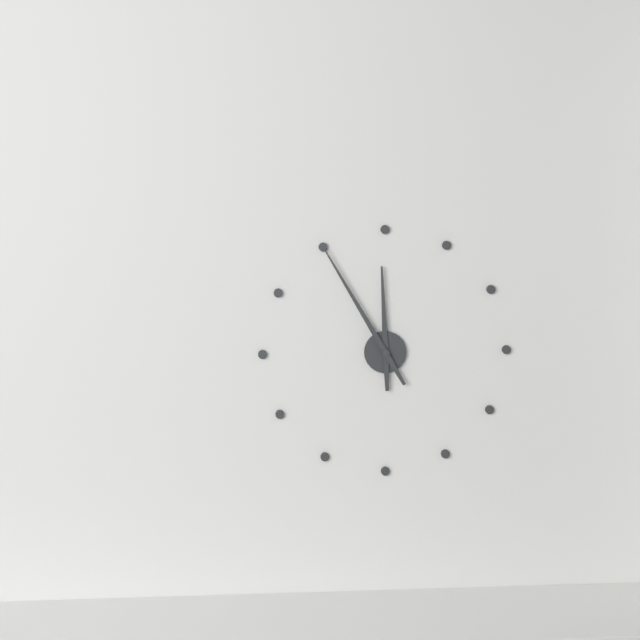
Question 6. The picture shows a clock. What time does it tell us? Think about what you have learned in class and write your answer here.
11:55
